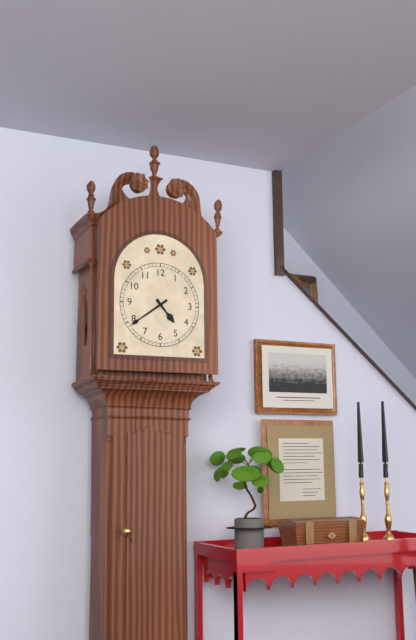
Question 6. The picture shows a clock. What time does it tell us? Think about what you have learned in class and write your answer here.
4:39
